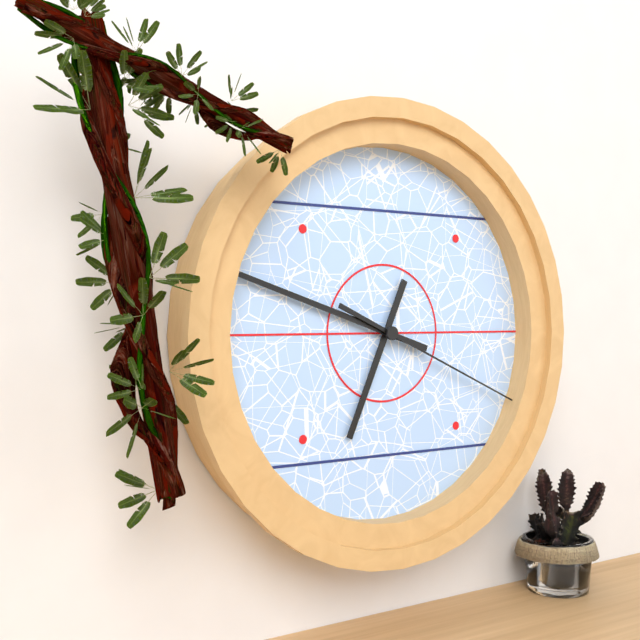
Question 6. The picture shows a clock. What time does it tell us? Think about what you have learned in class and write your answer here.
6:48:19
